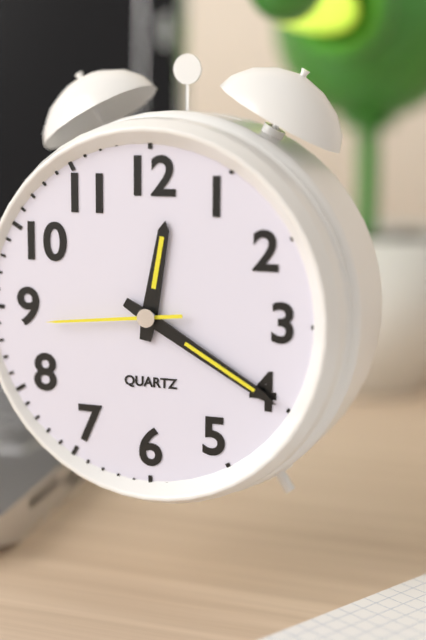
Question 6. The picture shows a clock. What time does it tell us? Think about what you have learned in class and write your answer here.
12:20:44
